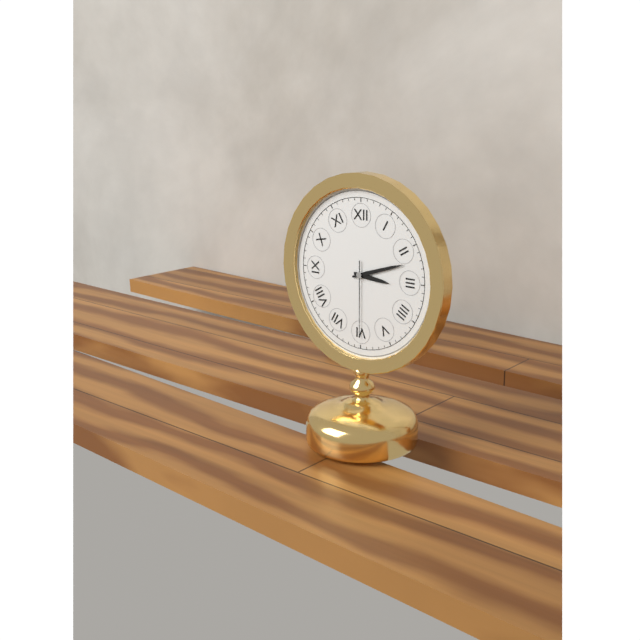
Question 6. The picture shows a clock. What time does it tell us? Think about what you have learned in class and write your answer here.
3:12:30
